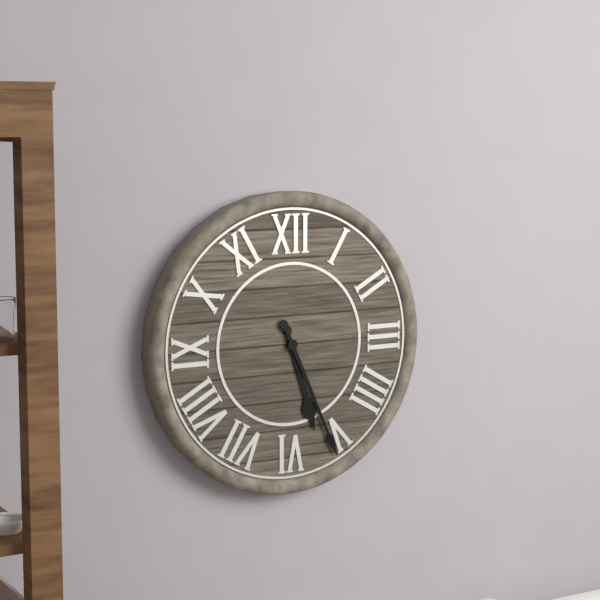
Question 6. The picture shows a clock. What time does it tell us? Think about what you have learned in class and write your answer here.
5:26
